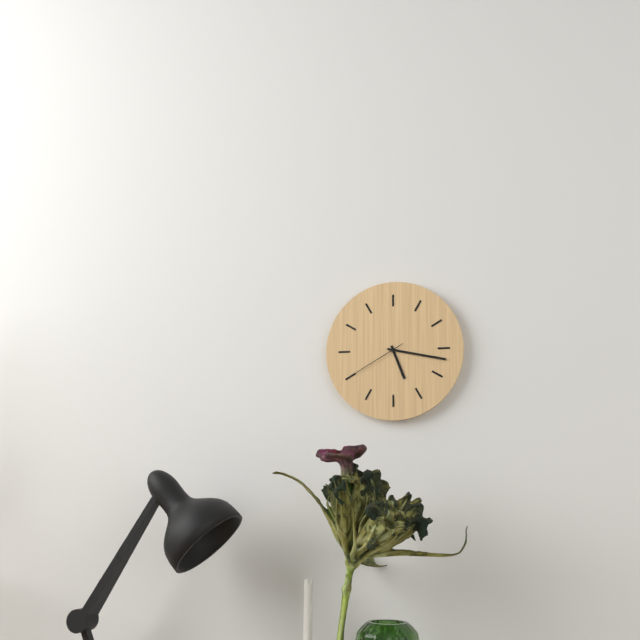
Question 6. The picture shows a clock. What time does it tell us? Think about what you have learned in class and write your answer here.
5:17:40
